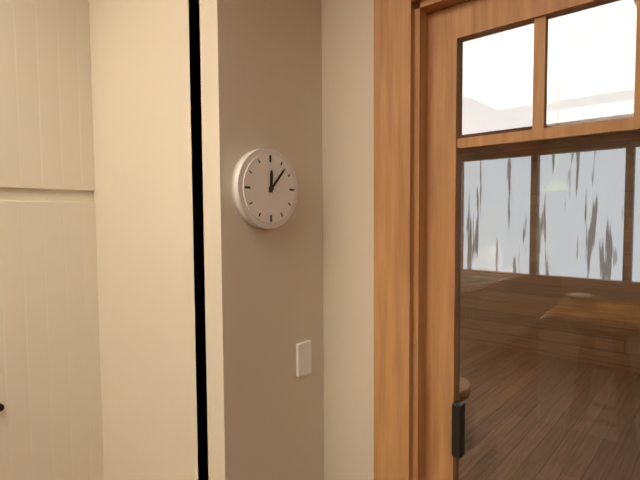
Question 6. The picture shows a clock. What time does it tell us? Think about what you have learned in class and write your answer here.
12:07
